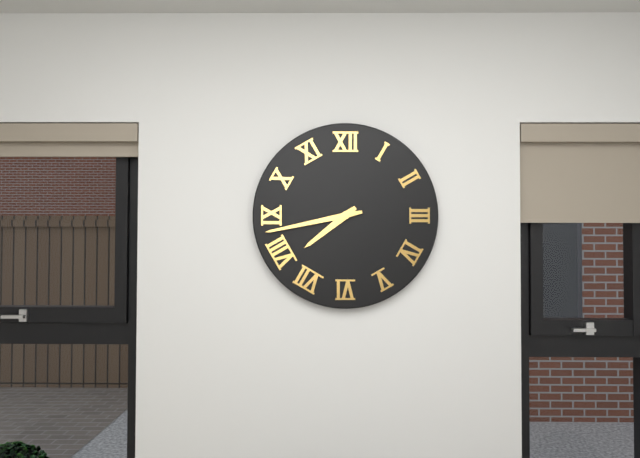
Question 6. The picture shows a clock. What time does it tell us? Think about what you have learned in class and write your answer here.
7:43
